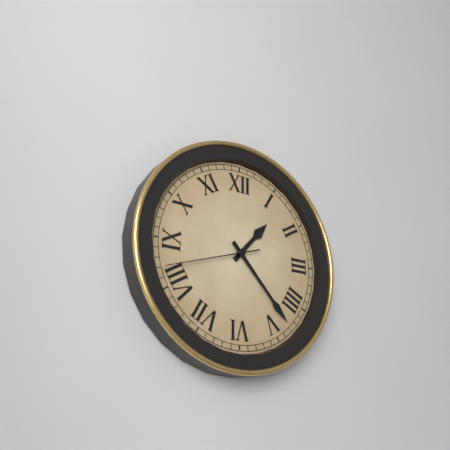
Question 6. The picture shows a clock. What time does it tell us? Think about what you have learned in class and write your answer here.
1:23:42
